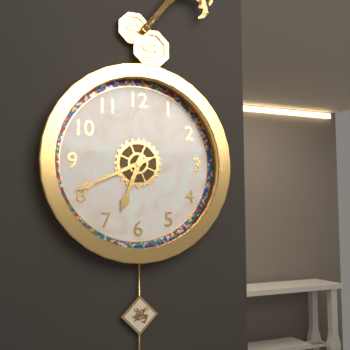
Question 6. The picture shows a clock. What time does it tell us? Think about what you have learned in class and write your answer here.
6:41
